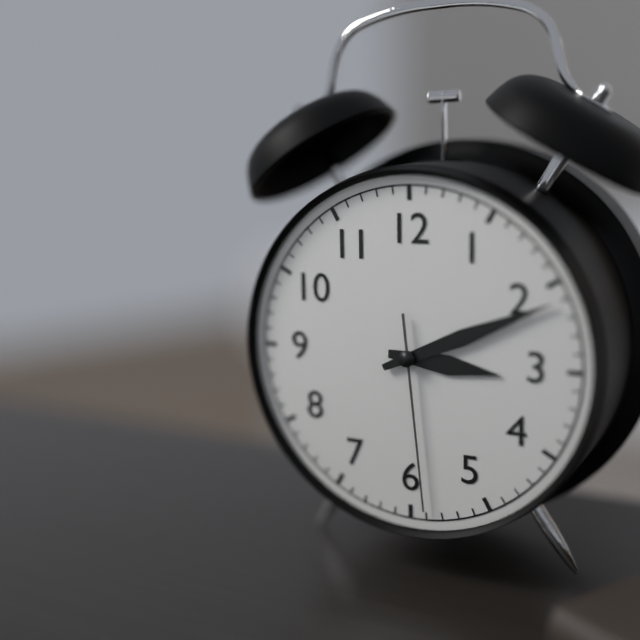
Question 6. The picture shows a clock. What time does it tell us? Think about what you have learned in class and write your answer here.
3:11:29
